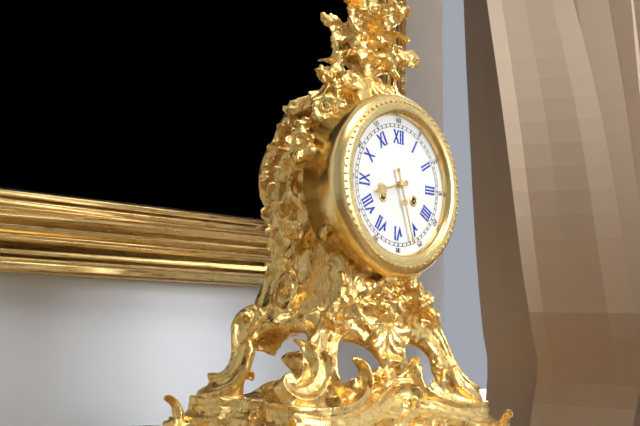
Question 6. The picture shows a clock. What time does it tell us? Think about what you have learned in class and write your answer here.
8:27
